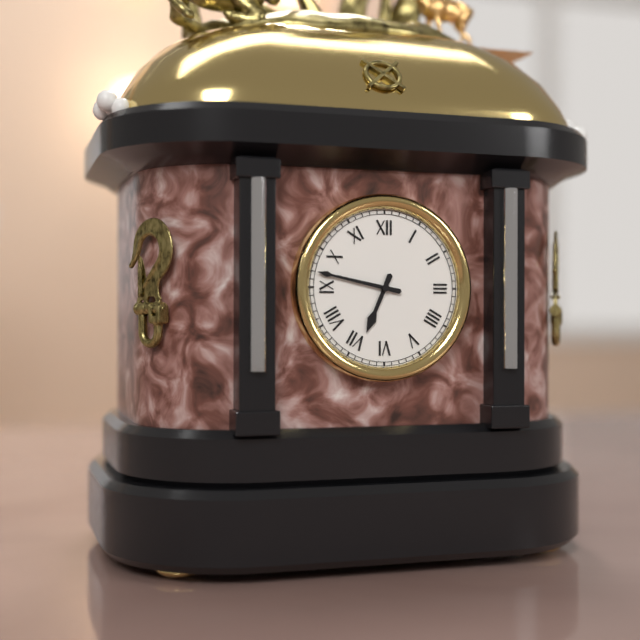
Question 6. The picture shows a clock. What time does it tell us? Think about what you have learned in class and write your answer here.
6:47
